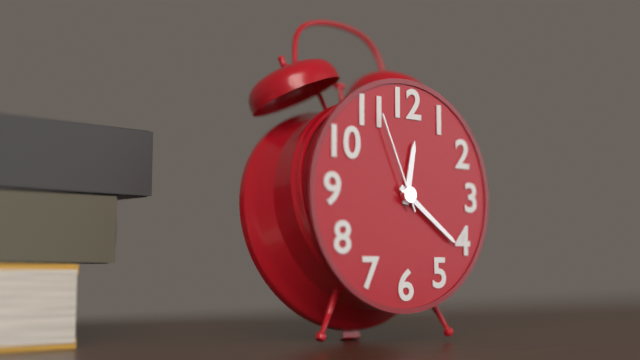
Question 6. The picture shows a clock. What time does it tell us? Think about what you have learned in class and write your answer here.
12:21:56
